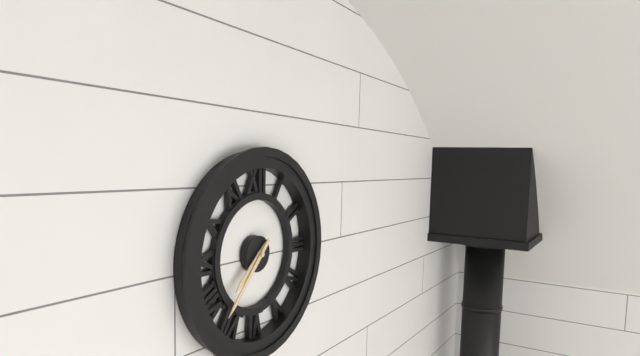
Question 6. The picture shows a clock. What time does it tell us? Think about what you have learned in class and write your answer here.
7:37
